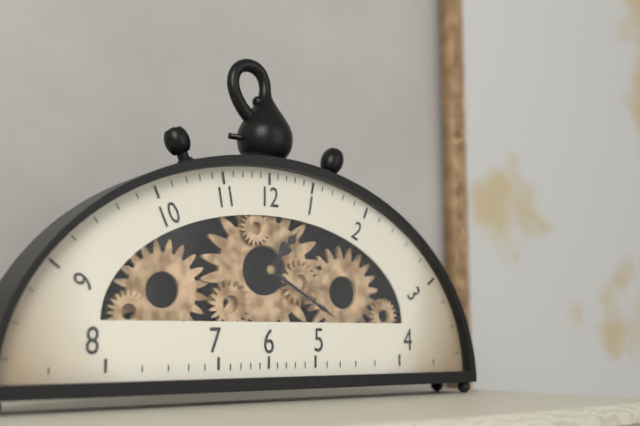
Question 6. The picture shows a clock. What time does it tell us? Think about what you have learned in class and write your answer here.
1:20
